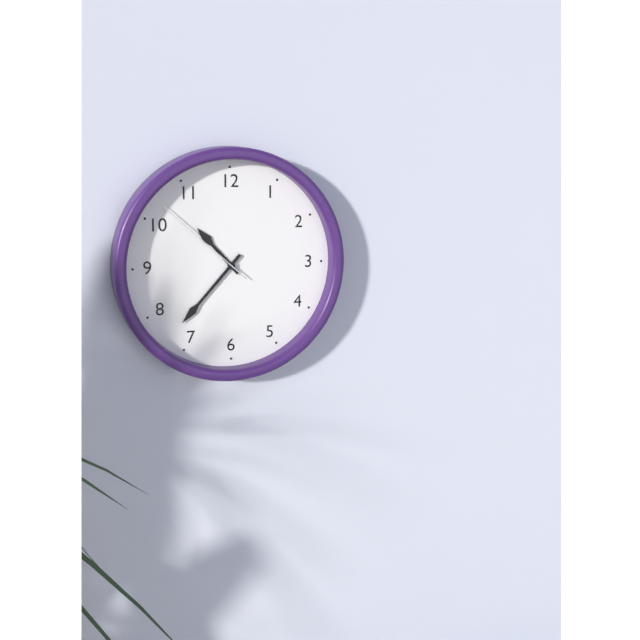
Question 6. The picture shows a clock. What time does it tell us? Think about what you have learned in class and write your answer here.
10:37:52
